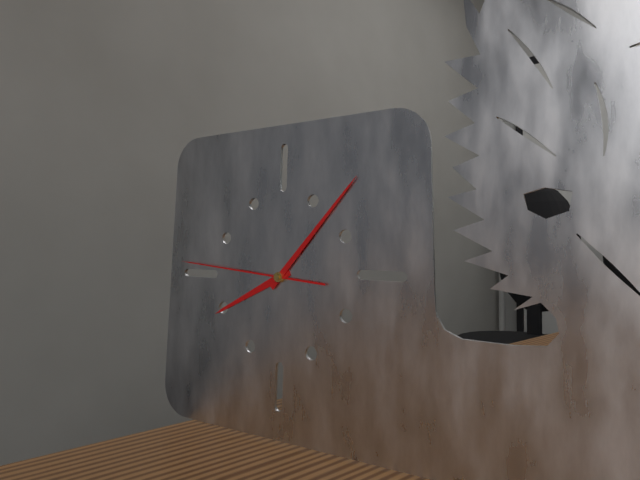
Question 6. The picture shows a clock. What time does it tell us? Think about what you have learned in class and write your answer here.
8:07:46
